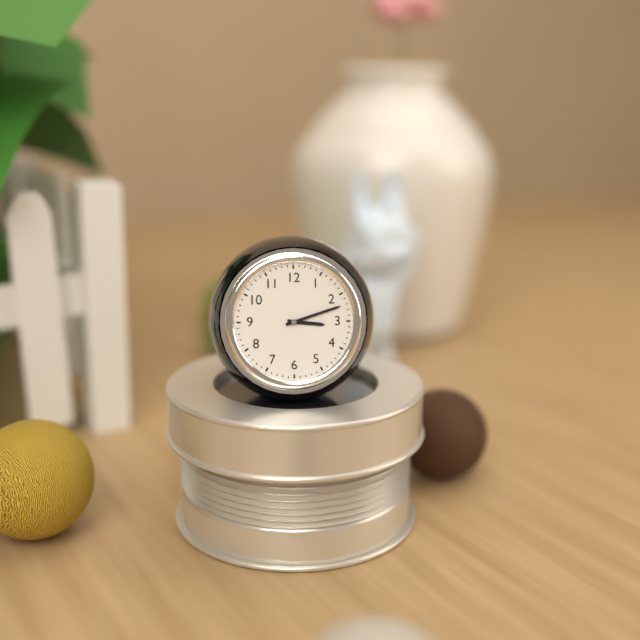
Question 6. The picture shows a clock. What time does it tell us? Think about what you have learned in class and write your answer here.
3:12
